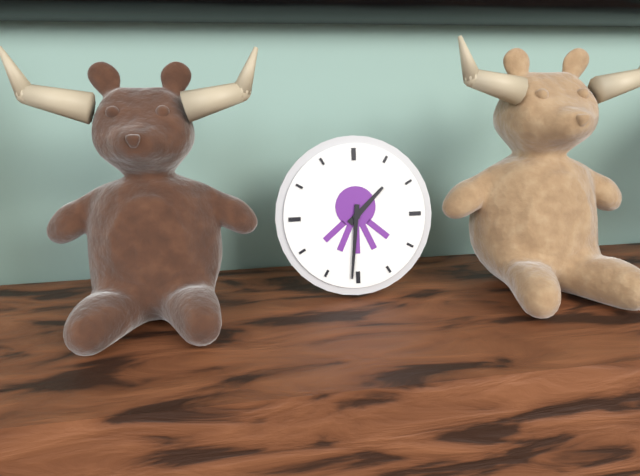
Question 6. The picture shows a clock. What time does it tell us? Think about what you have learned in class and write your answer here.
1:31
